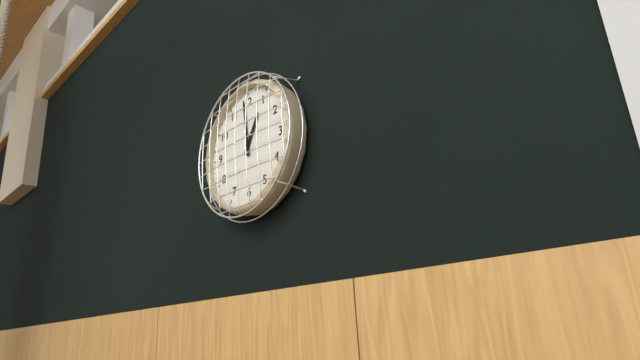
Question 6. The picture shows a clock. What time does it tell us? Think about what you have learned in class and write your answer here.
12:59
